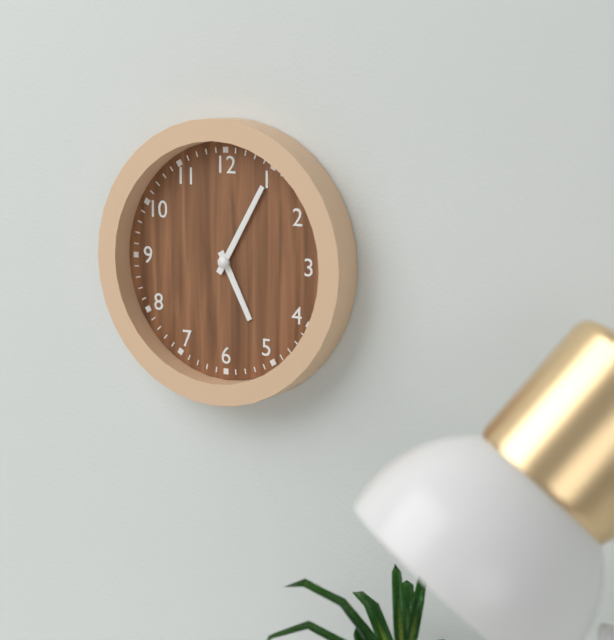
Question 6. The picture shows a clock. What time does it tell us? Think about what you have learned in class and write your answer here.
5:05
